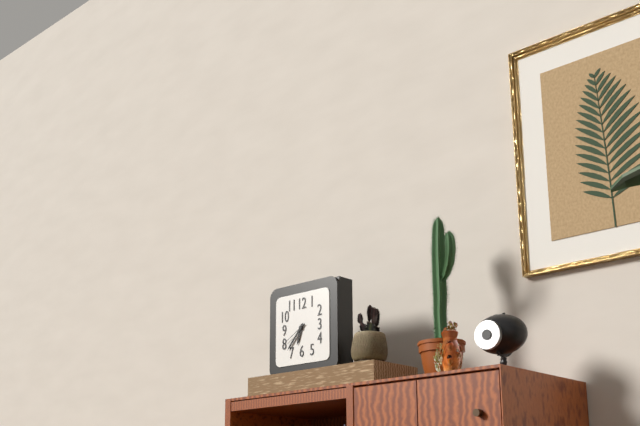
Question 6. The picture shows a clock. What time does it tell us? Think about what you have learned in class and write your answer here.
6:37
